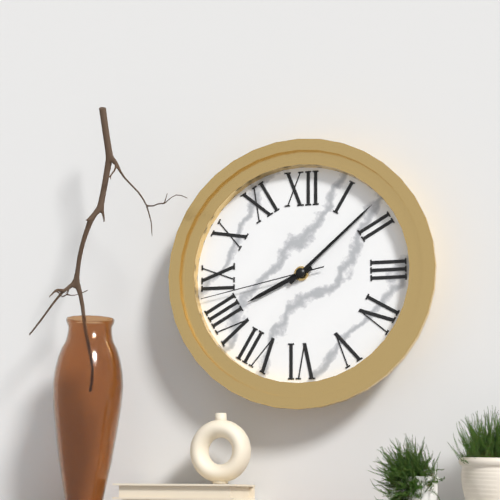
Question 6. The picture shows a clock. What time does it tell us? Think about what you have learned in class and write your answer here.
8:08:43
